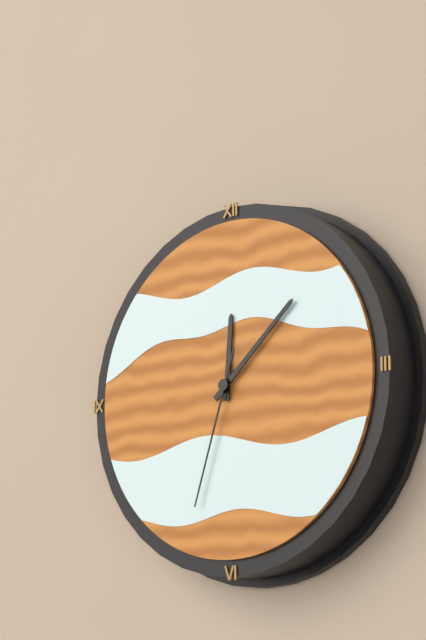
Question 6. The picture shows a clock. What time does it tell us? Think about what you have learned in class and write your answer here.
12:08:33
